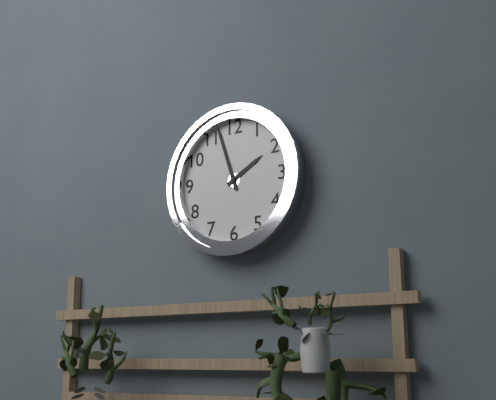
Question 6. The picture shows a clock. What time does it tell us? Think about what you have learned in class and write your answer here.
1:57
